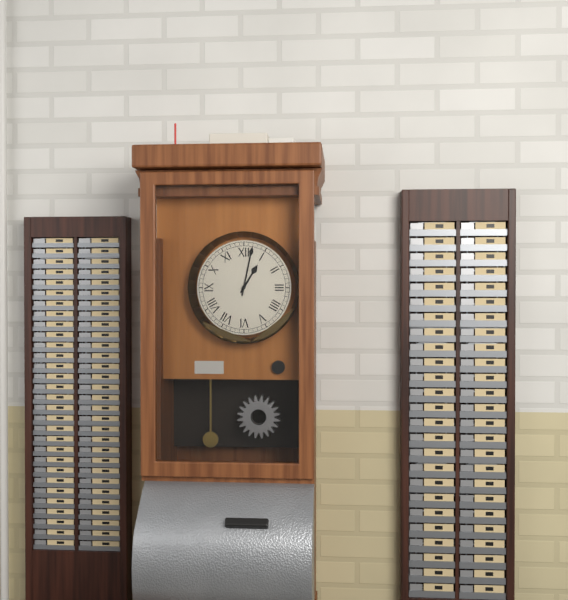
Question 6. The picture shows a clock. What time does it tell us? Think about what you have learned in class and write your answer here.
1:02
